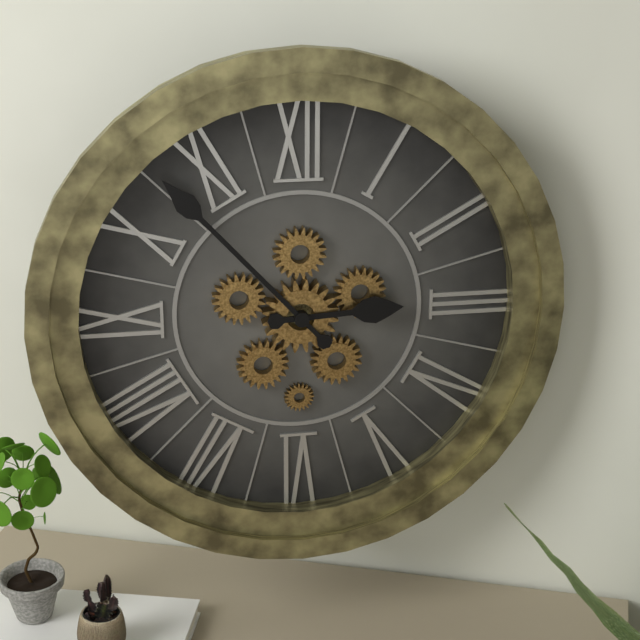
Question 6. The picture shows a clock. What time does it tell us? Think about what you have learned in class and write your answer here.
2:53
